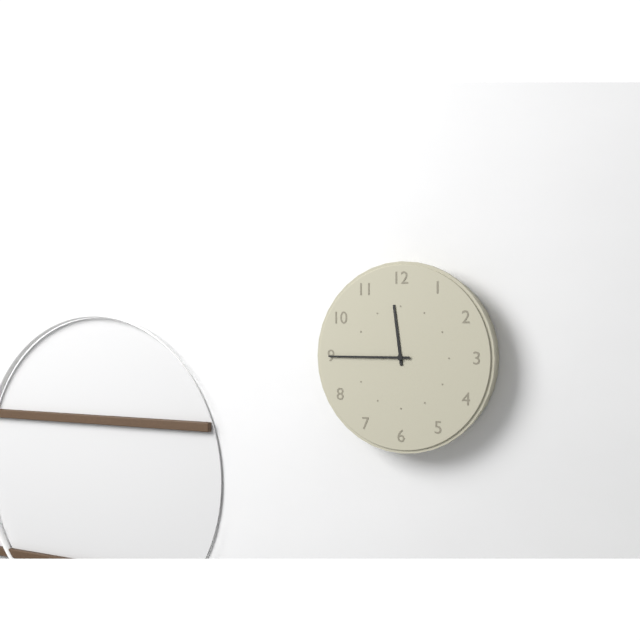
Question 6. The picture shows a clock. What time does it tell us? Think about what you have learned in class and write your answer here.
11:45
